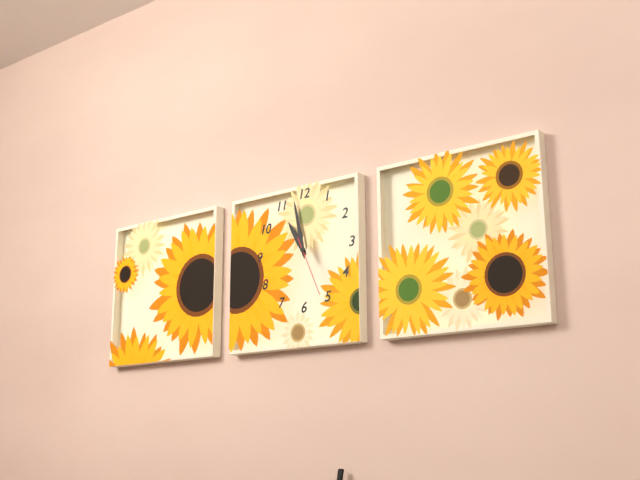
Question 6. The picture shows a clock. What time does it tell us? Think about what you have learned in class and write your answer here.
10:58:26
